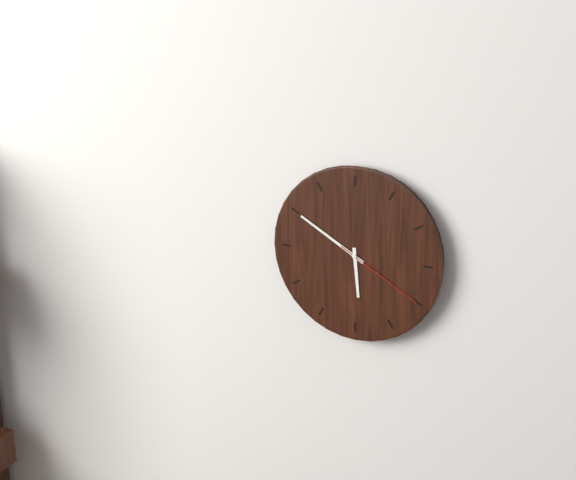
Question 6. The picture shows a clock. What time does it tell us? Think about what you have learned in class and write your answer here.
5:50:20
